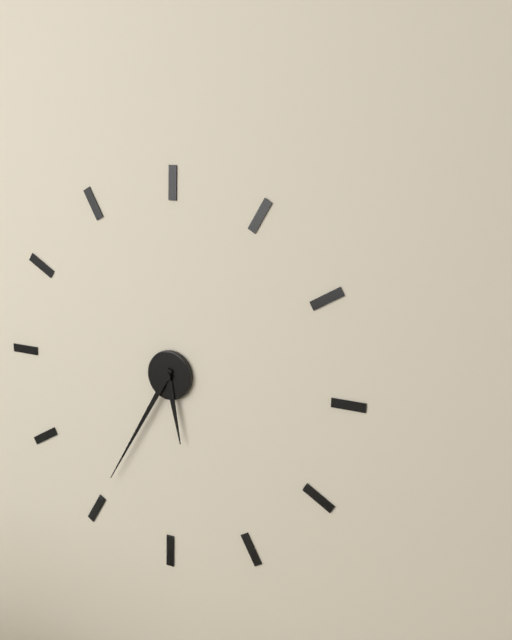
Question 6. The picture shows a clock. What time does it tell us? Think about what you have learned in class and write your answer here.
5:35
